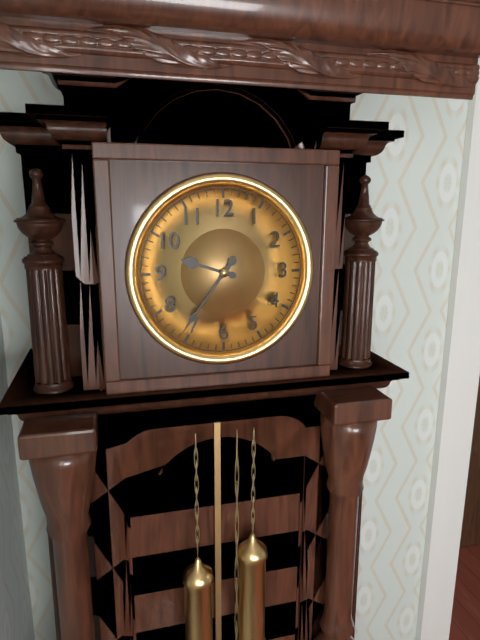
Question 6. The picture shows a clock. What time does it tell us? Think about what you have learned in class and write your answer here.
9:36
